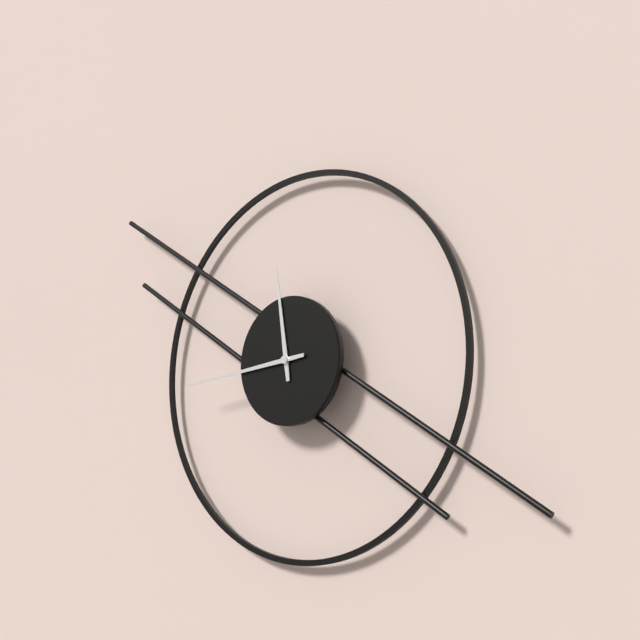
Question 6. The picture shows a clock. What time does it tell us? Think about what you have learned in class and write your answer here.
11:44
